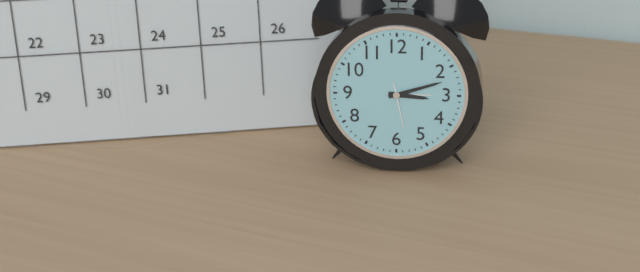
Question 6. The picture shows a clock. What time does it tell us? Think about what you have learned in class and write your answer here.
3:12
